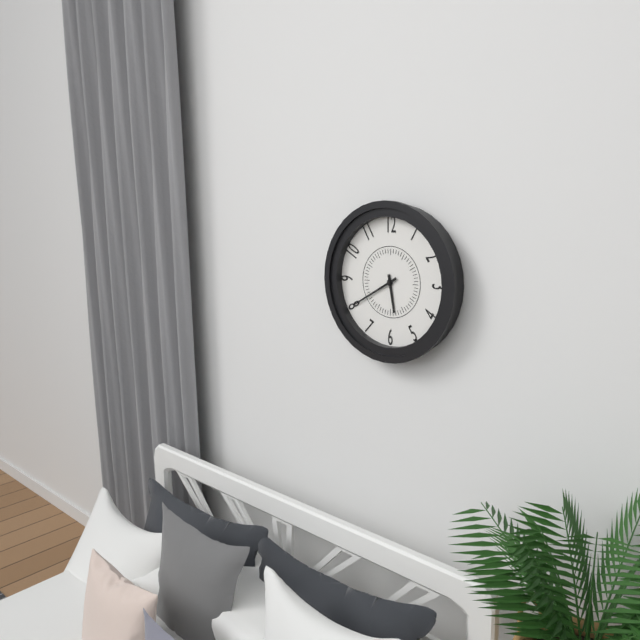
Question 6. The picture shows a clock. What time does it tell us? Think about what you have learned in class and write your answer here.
5:40
